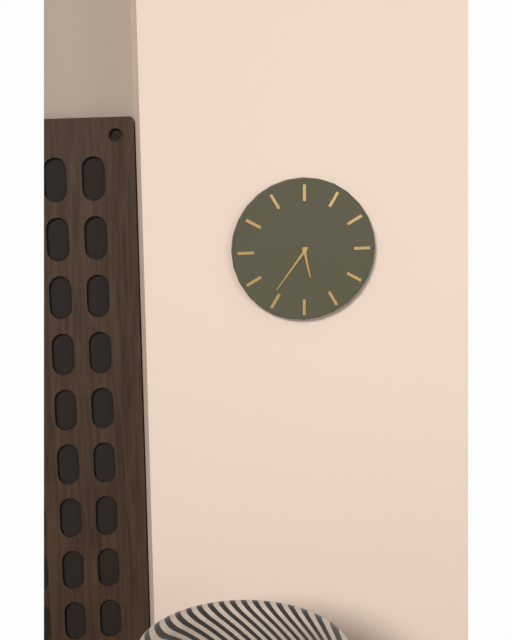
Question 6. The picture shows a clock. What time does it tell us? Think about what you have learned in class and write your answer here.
5:36
